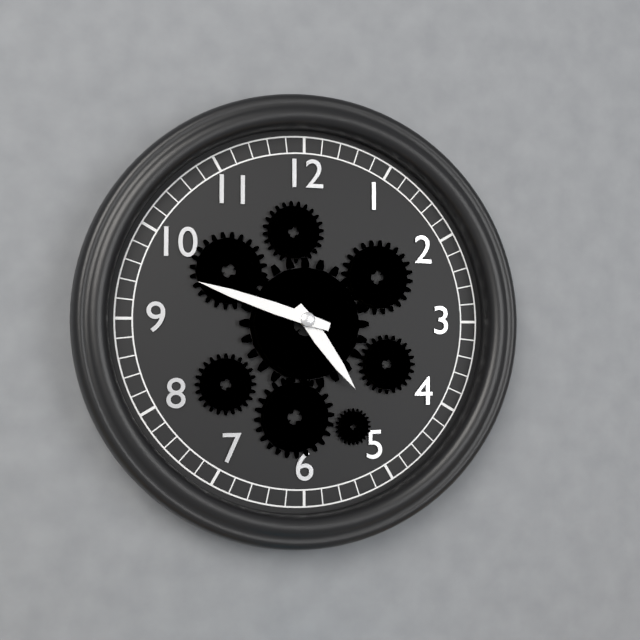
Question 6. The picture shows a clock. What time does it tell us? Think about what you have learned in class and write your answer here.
4:48
